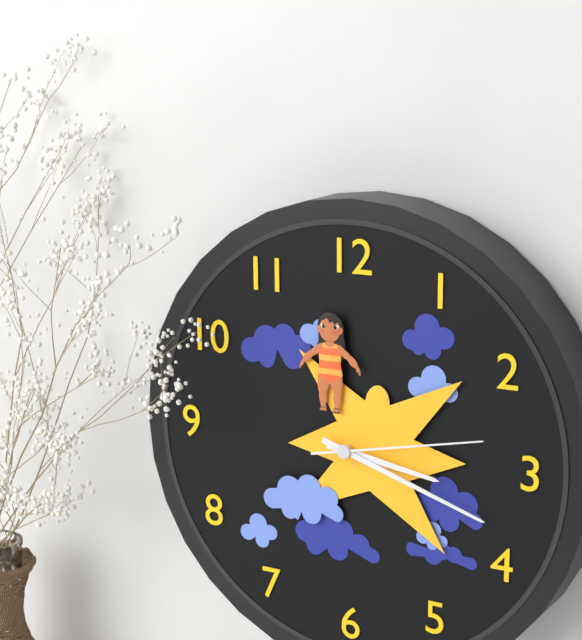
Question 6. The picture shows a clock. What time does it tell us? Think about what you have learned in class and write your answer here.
3:18:13
